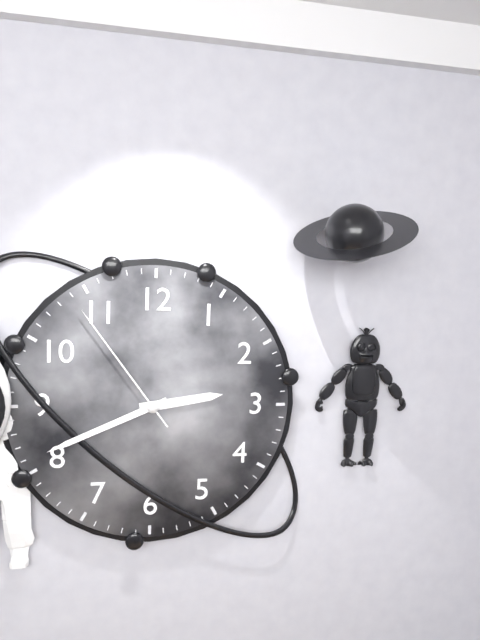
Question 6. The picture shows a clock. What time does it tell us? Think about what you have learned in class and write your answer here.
2:41:54
